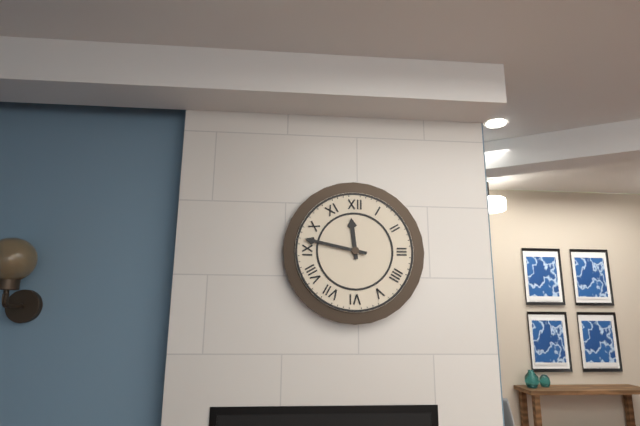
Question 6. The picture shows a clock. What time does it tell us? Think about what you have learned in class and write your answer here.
11:47
